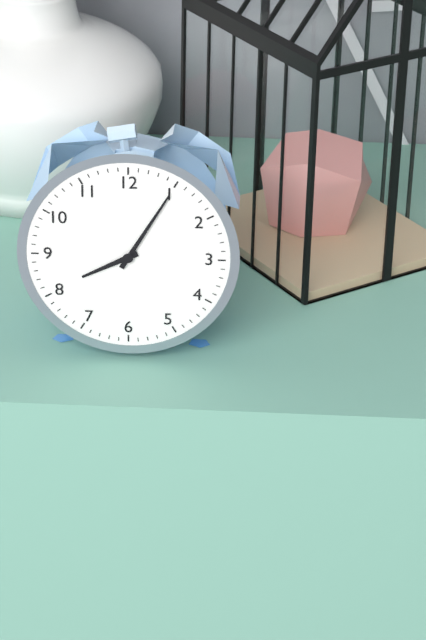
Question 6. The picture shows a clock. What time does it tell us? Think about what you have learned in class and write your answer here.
8:05
